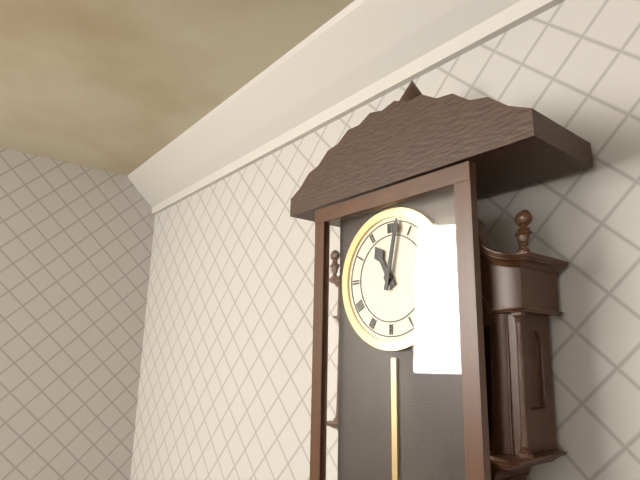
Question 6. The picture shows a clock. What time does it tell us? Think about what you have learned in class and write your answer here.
11:02
